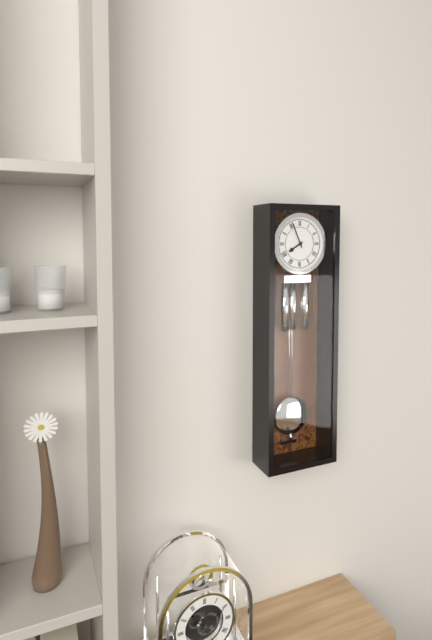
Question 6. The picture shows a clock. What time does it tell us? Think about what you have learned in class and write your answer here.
7:56
